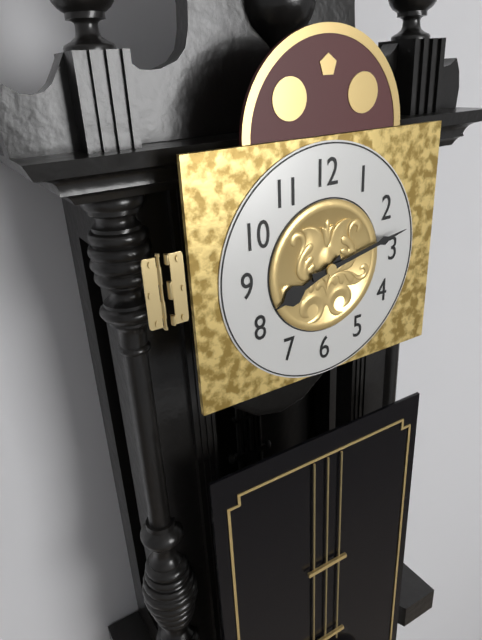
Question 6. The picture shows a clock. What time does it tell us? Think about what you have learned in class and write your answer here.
8:13
